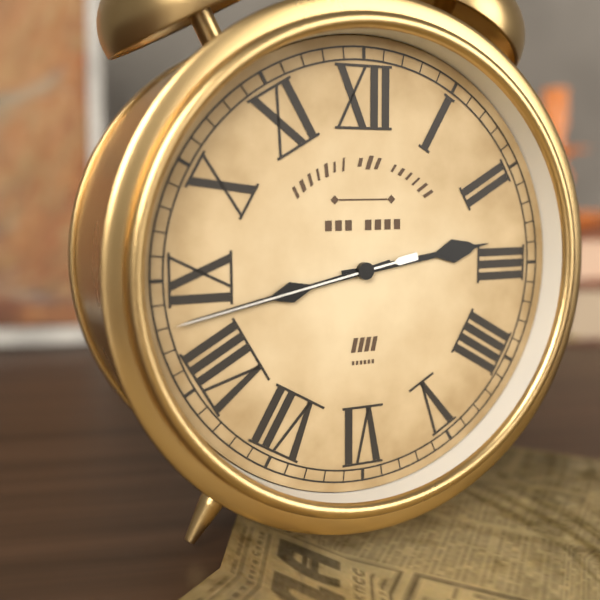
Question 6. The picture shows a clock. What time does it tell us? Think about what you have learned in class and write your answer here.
2:43:43
